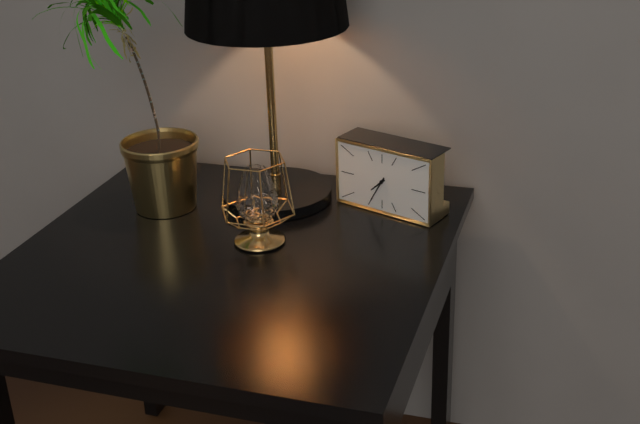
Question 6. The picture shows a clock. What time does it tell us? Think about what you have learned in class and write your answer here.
7:35
